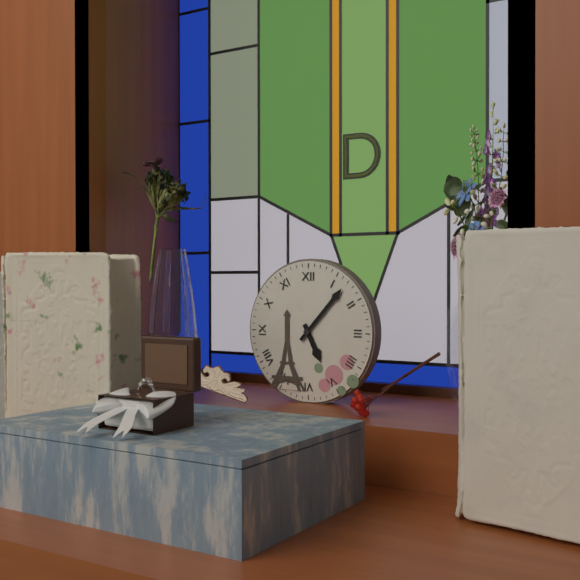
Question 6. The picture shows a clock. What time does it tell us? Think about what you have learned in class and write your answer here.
5:07
